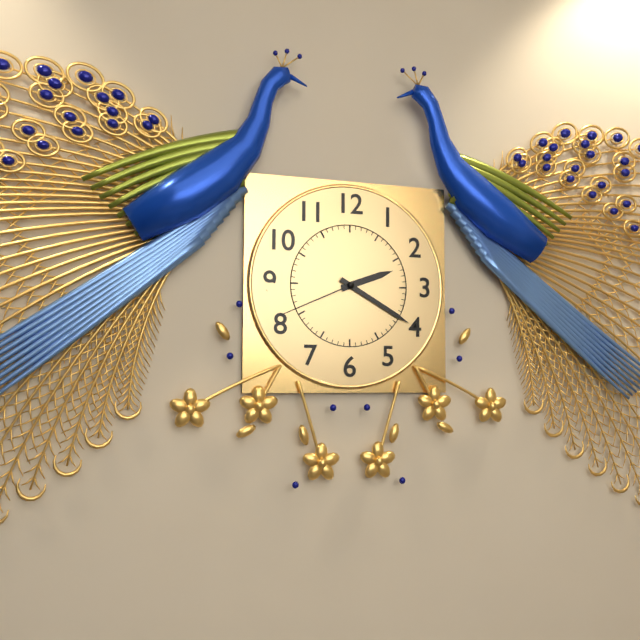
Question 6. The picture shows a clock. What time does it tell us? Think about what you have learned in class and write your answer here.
2:20:41
